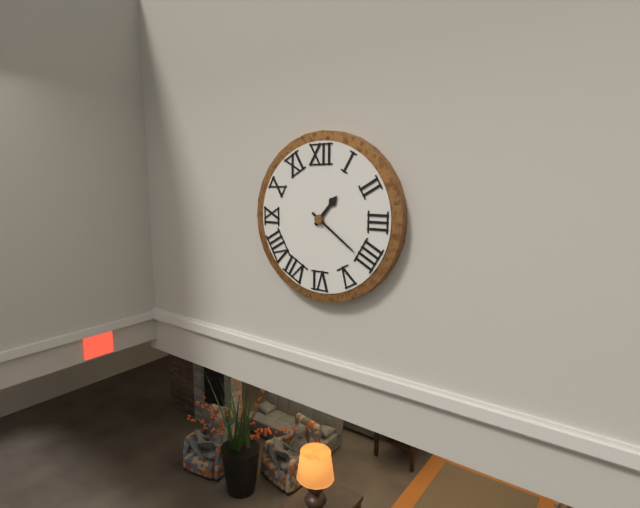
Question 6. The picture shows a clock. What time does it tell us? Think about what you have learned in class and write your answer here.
1:21
